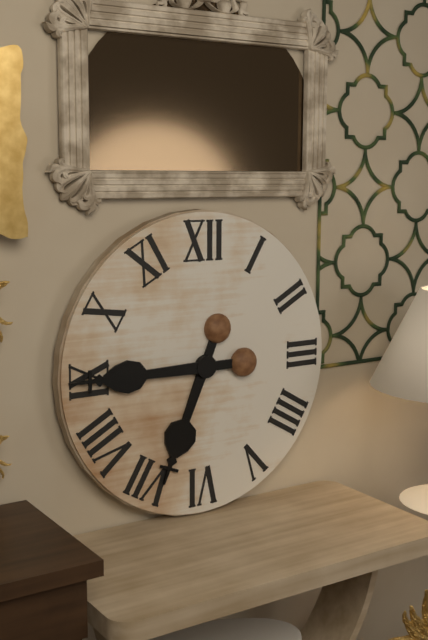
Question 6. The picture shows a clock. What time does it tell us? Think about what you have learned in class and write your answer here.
6:45
